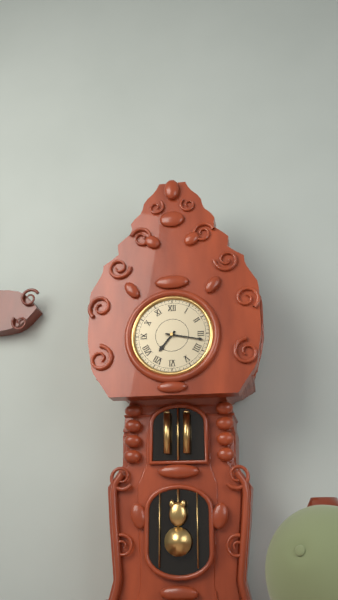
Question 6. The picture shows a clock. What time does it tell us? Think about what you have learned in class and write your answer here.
7:17
